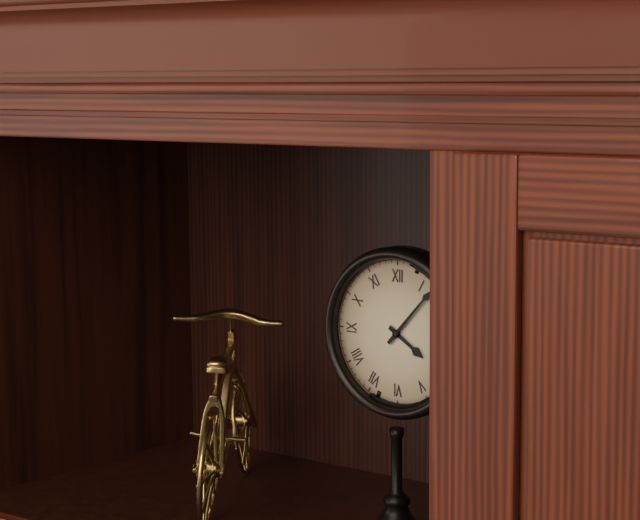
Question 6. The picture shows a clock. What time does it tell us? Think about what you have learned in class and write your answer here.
4:07
